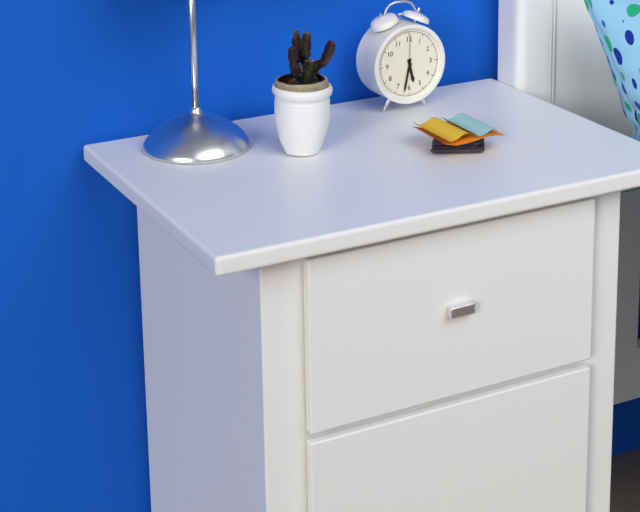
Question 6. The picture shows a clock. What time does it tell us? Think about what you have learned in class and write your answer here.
5:32
